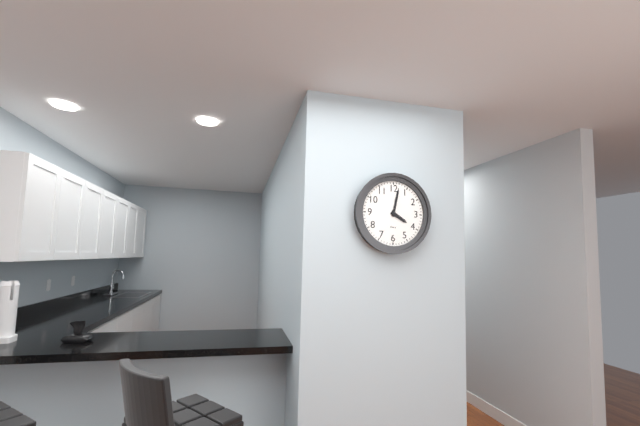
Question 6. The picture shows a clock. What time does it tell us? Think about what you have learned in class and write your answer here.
4:02
